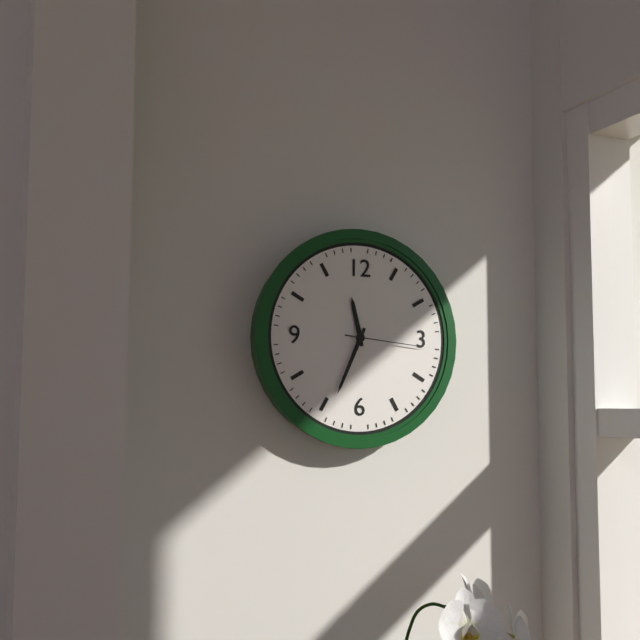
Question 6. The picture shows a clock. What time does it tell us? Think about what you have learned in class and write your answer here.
11:34:16
